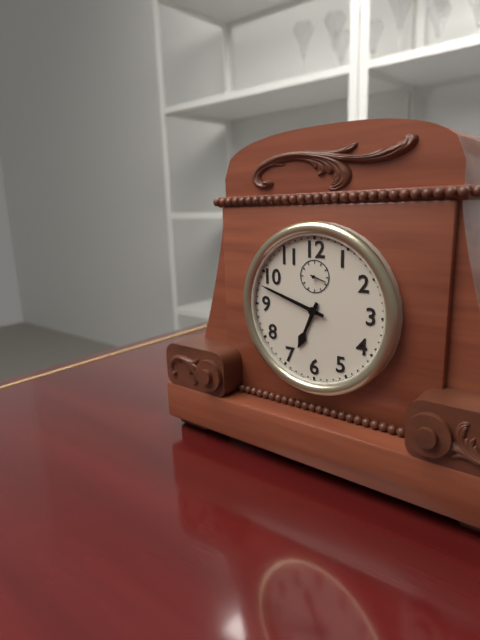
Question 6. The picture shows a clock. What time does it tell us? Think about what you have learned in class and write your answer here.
6:48
